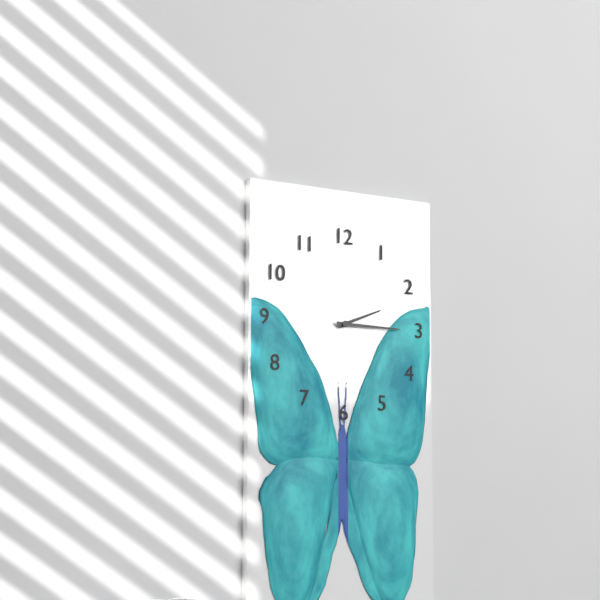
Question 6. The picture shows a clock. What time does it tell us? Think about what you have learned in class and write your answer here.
2:15
